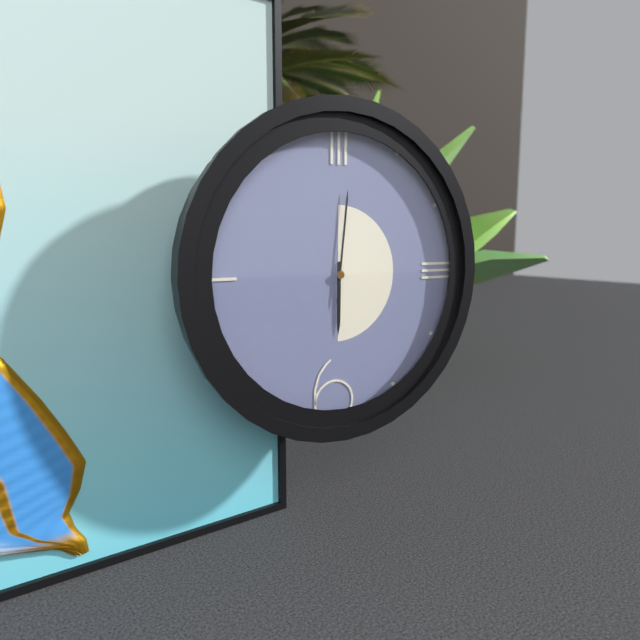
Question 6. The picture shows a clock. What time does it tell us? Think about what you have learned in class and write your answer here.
6:01
